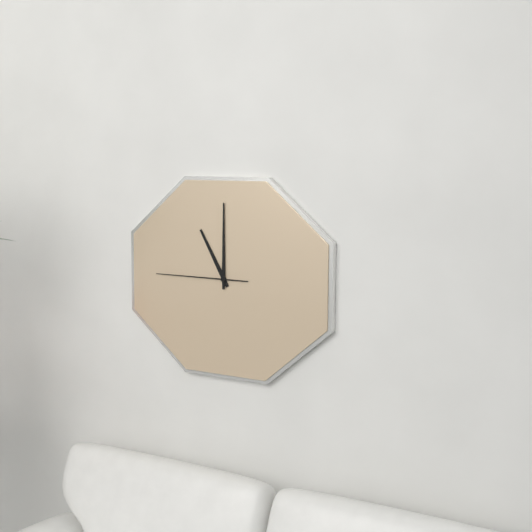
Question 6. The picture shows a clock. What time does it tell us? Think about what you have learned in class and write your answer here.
11:00:45
